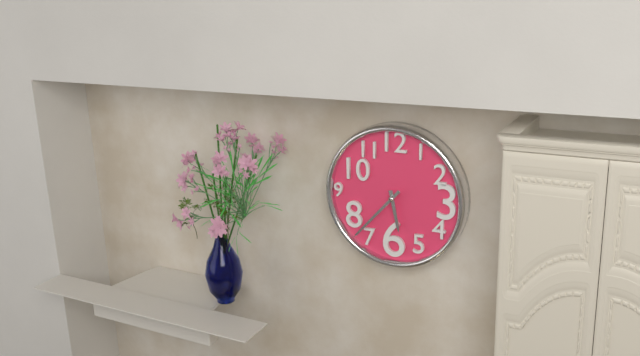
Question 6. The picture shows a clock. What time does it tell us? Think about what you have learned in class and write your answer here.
5:37
